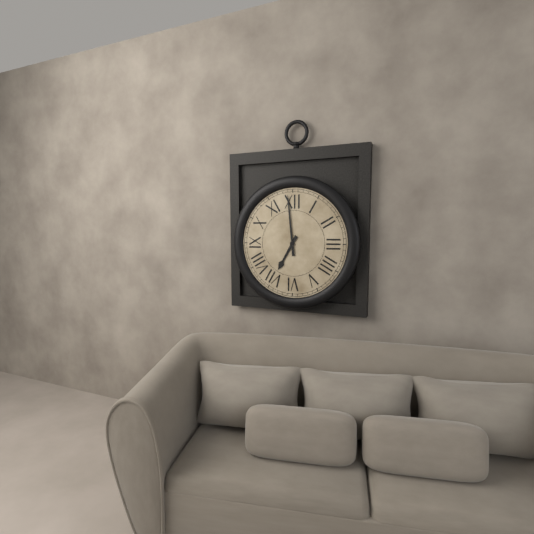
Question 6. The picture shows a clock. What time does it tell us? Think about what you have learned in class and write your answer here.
6:59
